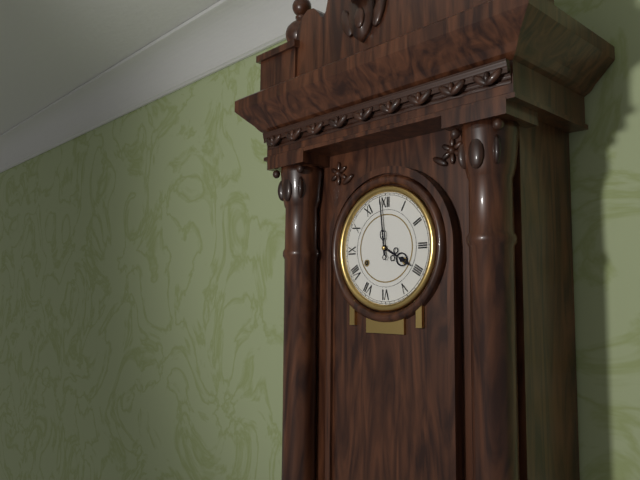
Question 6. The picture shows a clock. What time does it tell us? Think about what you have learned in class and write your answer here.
3:59
